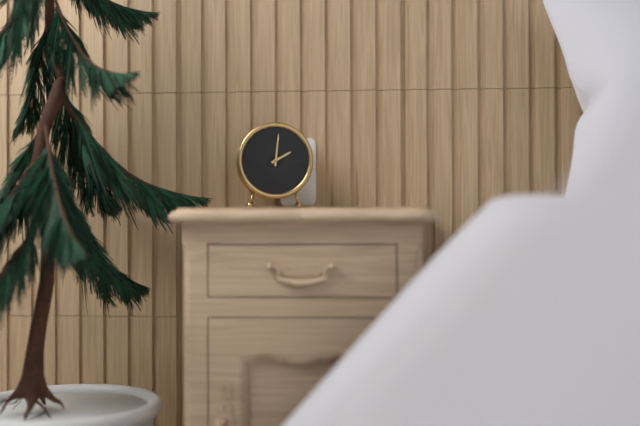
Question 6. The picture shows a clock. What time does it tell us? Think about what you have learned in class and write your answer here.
2:01
